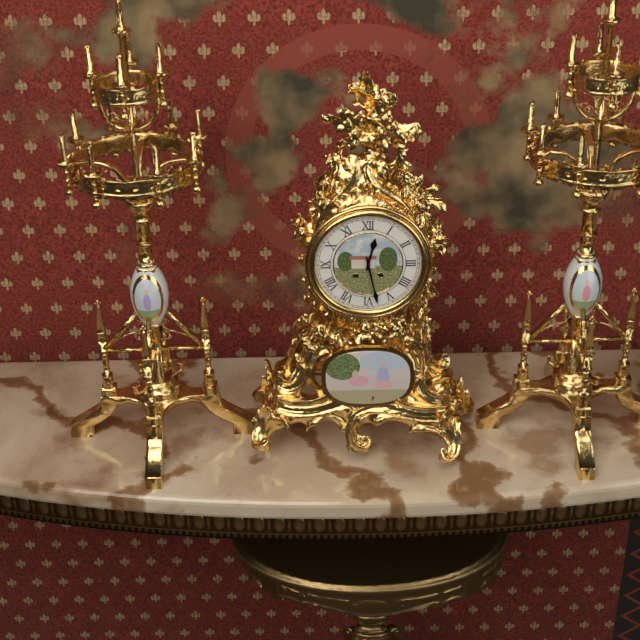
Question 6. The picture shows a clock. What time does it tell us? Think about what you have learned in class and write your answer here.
12:28
